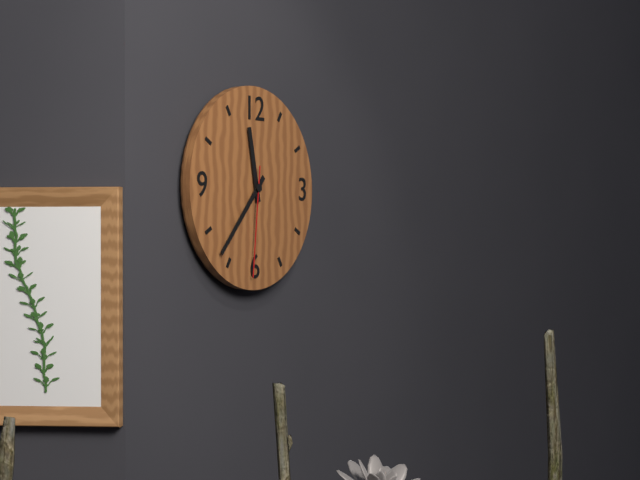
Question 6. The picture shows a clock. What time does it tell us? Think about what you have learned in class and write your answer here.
11:37:31
